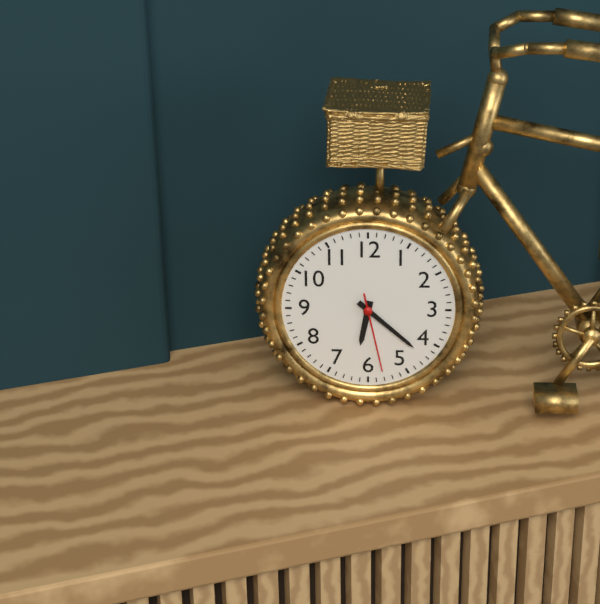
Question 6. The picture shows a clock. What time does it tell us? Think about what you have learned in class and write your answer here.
6:22:28
